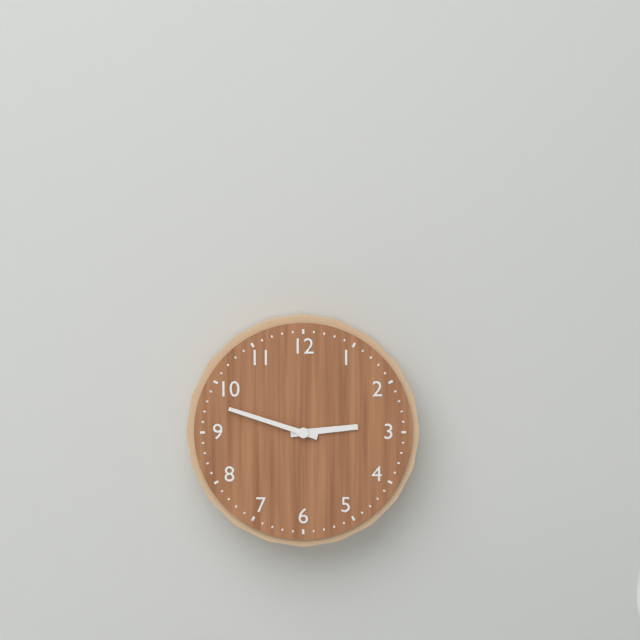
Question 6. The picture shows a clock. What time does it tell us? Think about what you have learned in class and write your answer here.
2:48
